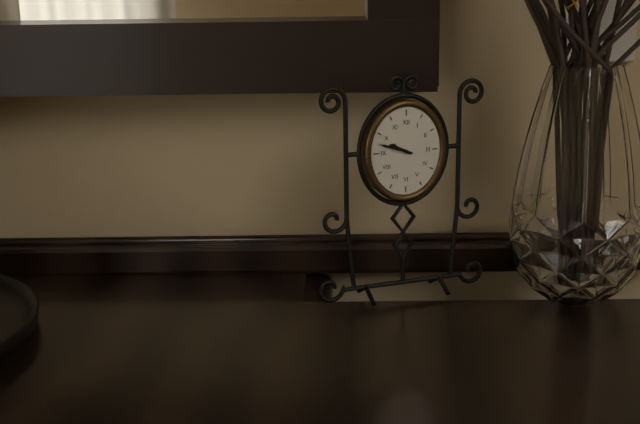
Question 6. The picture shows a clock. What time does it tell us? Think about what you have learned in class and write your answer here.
9:48
